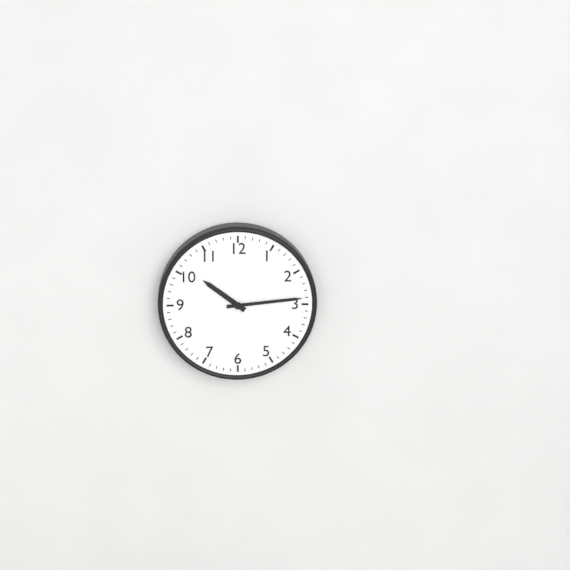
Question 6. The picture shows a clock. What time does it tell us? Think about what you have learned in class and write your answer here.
10:14
